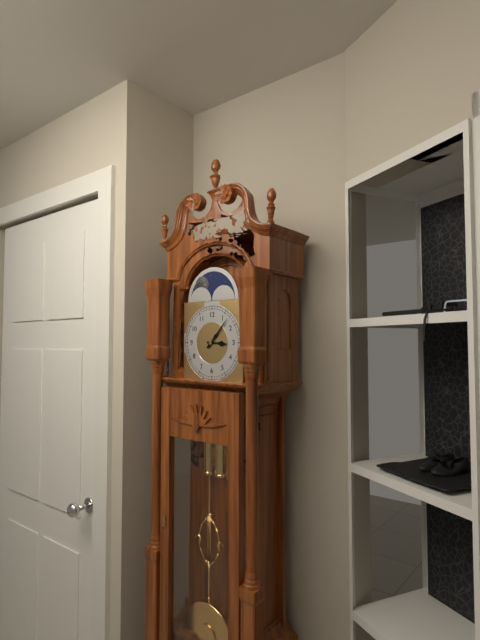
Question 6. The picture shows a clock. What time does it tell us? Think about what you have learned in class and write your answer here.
3:07
